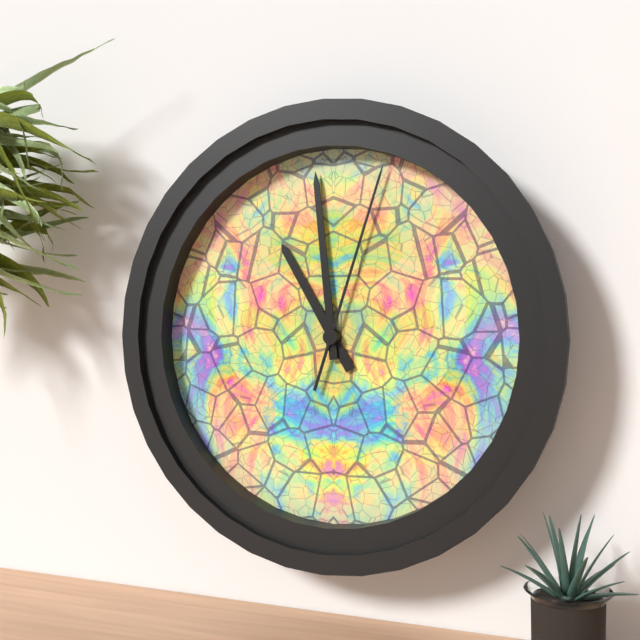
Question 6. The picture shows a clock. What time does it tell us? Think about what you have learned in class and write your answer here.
10:59:03
